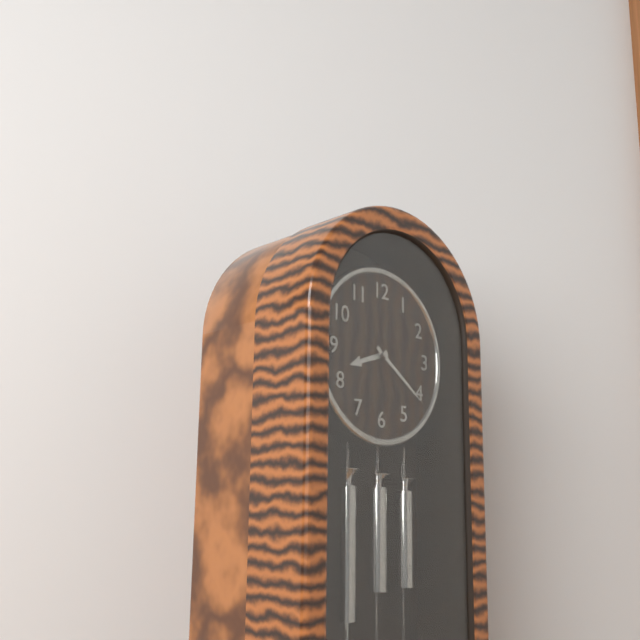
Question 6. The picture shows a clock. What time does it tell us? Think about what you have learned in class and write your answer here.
8:21
